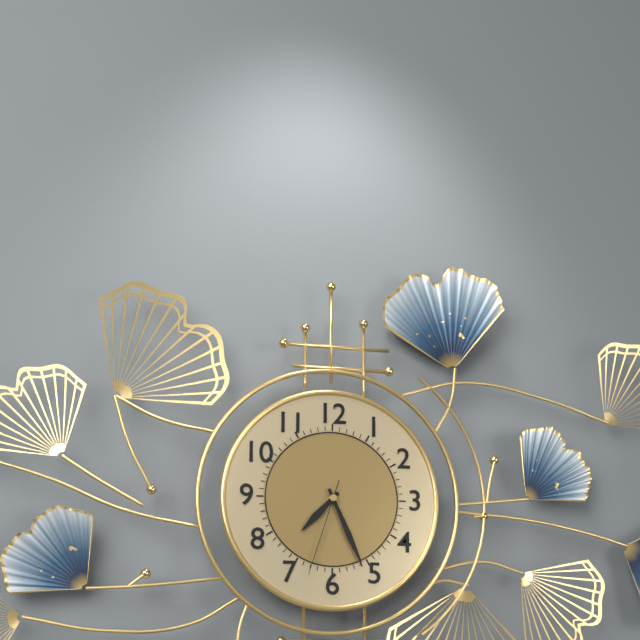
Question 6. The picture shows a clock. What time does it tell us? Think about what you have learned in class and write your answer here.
7:26:33
